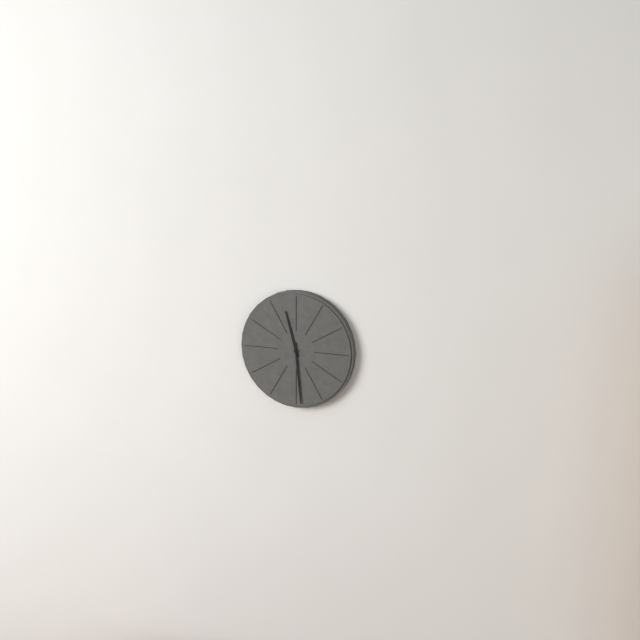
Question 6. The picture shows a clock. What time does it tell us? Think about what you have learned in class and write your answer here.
11:29
